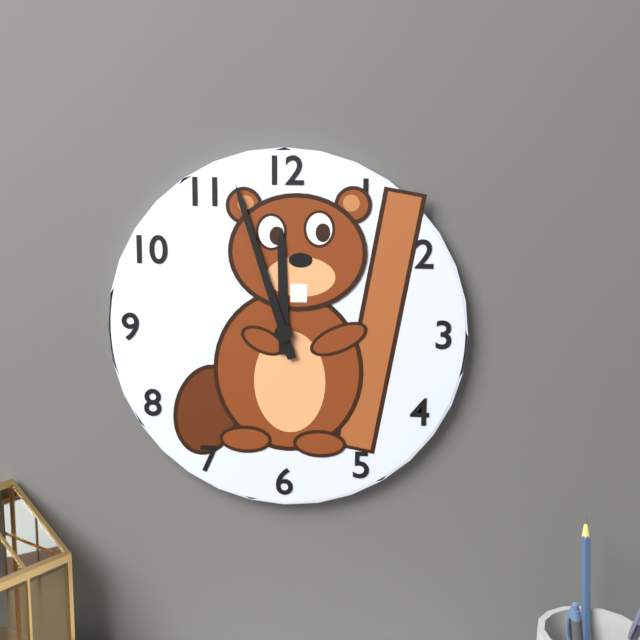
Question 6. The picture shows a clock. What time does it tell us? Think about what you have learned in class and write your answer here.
11:57
